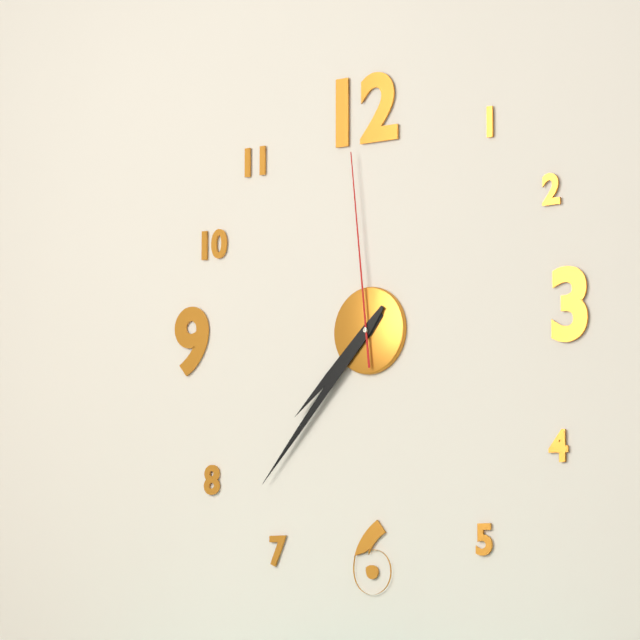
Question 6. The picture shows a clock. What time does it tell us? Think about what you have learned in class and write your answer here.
7:37:59
